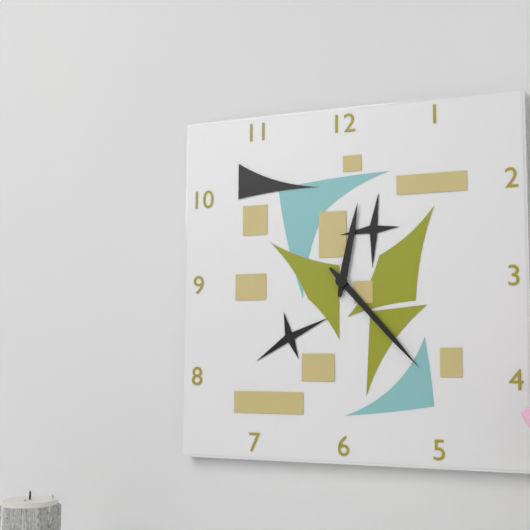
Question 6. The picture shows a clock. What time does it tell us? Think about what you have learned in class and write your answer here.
12:23
